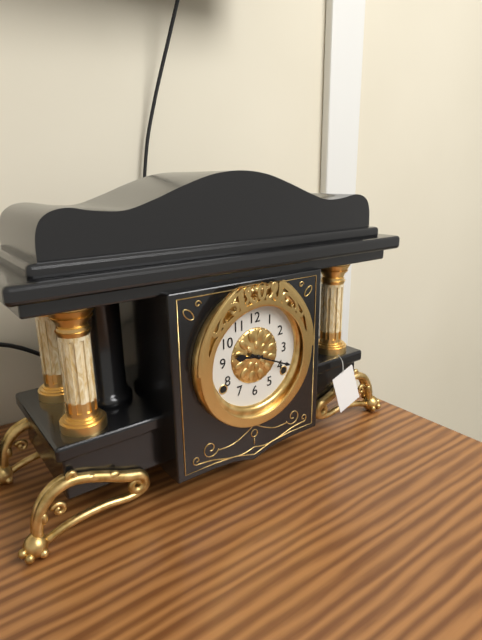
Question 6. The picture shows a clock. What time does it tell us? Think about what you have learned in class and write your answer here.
9:19
